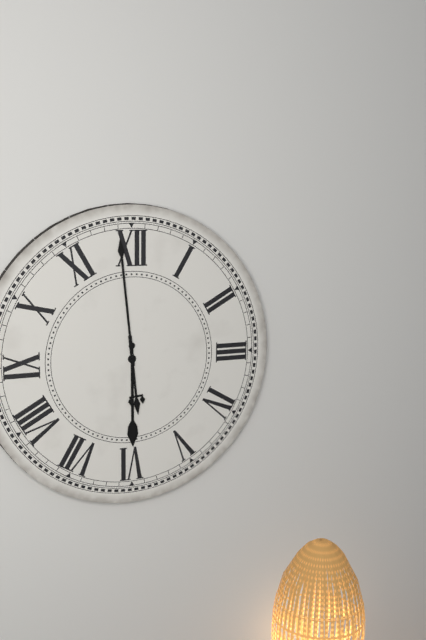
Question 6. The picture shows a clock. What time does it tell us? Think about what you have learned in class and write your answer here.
5:59
